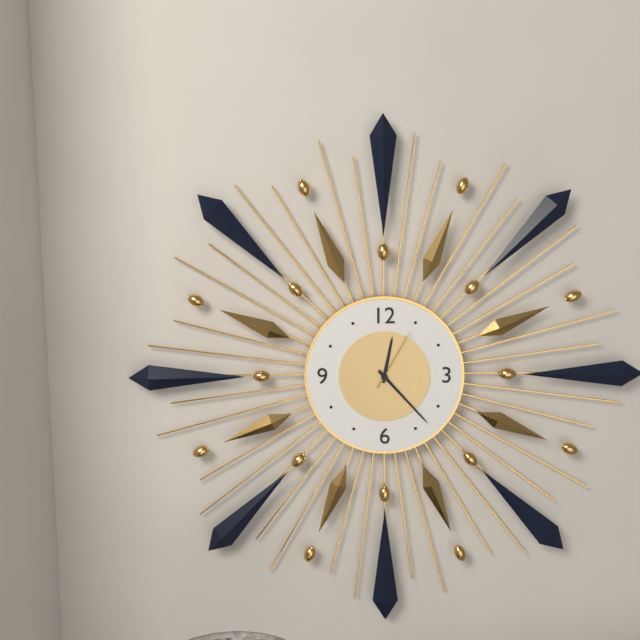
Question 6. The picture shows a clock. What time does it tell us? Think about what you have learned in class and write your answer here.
12:23:05
